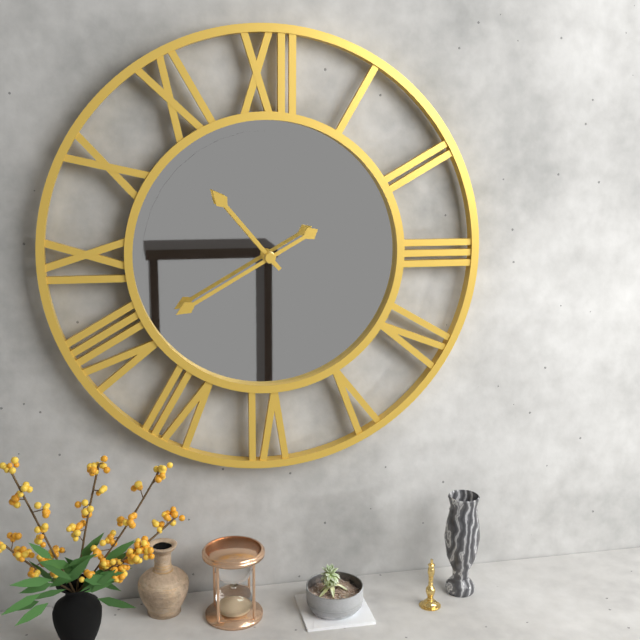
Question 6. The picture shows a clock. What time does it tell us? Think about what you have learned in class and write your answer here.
10:40
